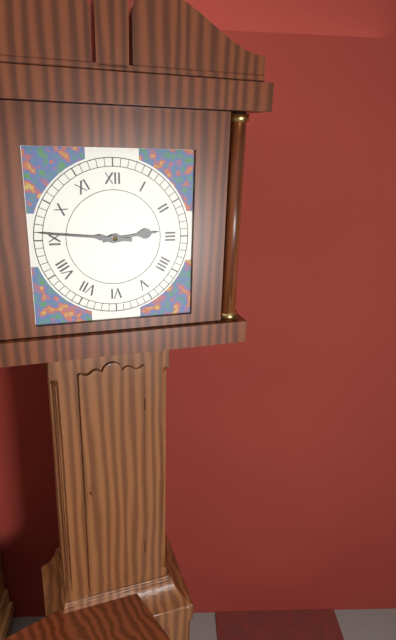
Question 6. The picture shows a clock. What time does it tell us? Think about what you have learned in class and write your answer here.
2:46
